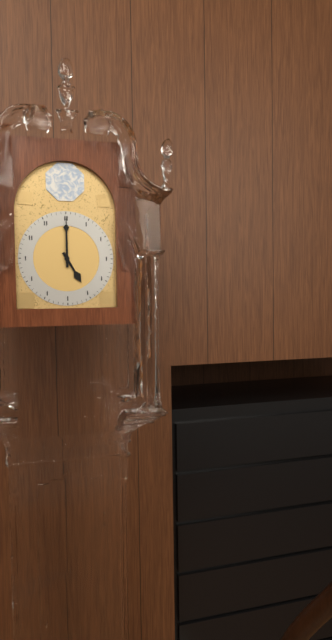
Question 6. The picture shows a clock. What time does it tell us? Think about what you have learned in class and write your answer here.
5:00
